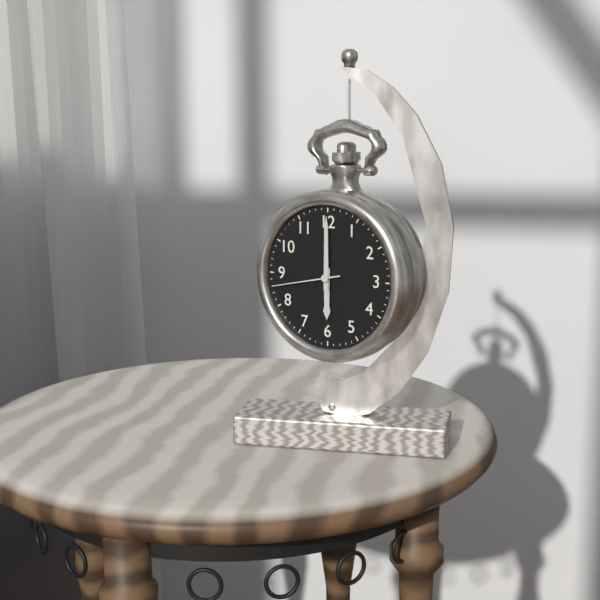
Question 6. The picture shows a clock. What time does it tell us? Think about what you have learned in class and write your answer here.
6:00:43
